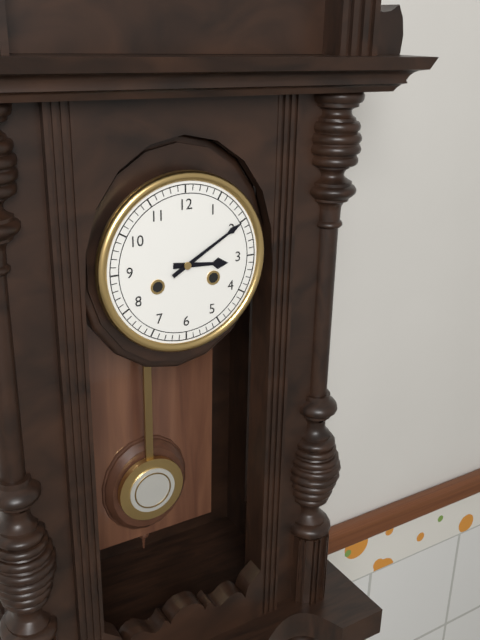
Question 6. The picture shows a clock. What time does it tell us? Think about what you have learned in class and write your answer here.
3:10
